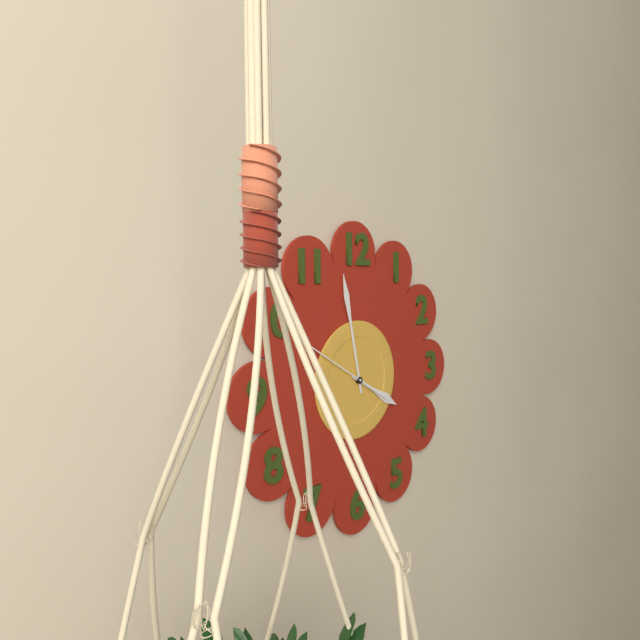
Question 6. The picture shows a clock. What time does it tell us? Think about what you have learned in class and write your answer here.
3:58:50
